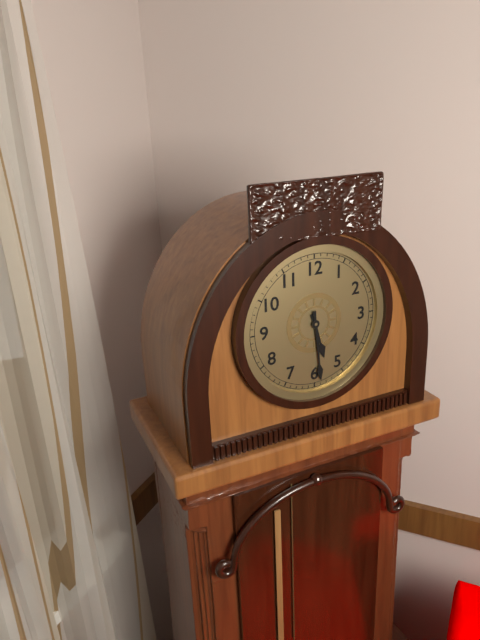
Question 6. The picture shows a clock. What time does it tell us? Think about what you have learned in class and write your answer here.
5:29
